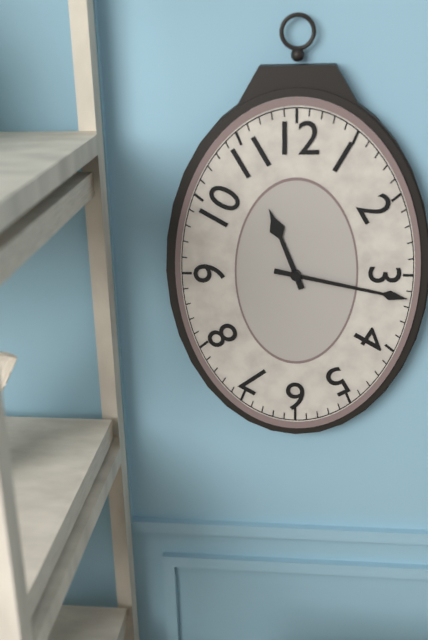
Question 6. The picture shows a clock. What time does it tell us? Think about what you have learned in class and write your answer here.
11:17
